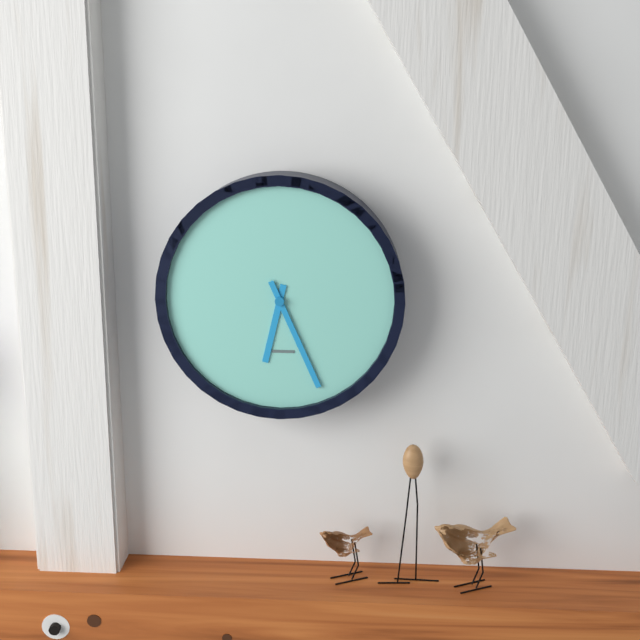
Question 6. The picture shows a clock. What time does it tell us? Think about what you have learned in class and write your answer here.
6:26
